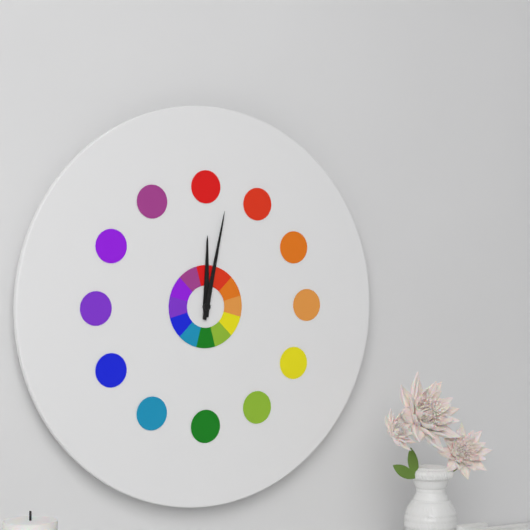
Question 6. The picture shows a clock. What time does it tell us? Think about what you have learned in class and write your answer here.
12:02
